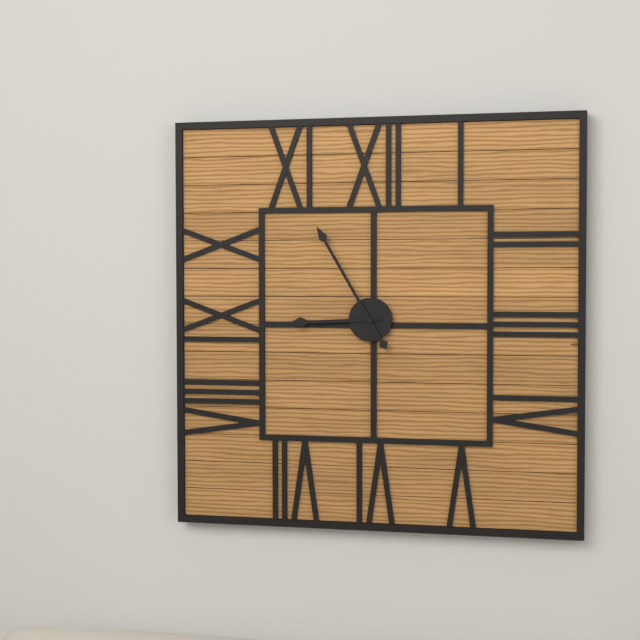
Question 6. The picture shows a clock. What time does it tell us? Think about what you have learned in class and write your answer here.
8:55
